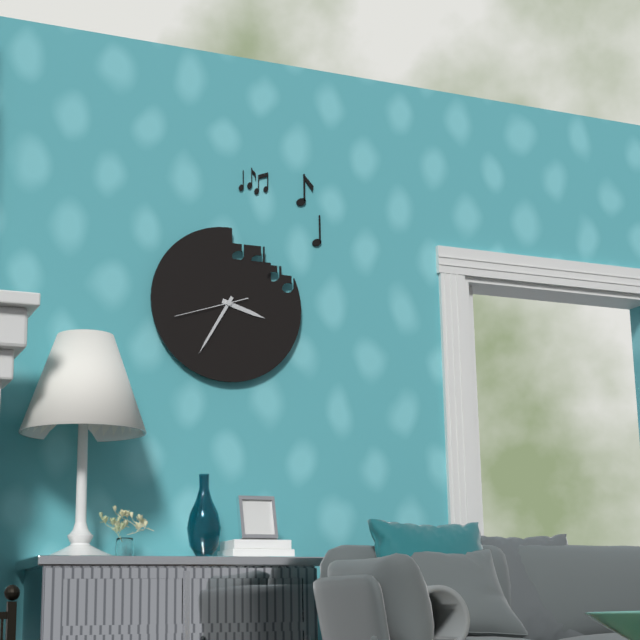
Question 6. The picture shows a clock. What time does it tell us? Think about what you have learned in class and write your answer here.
3:35:42
